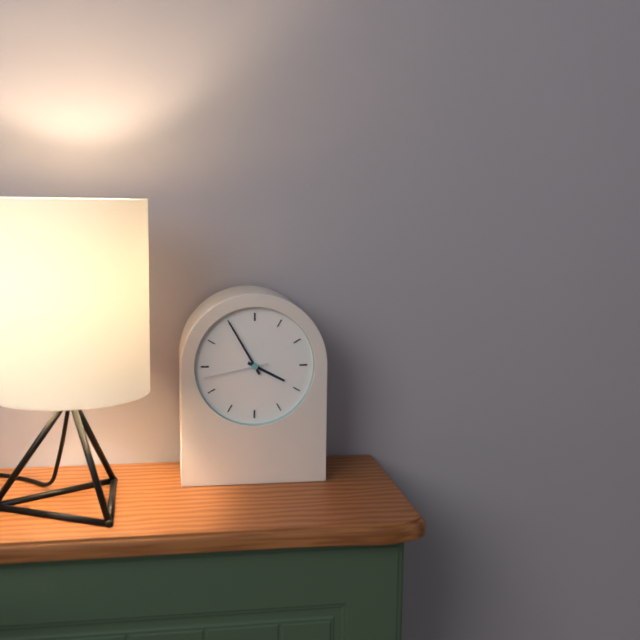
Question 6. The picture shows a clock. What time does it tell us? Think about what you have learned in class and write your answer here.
3:55:43
